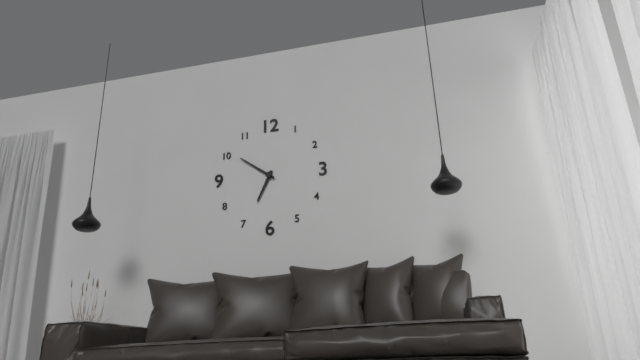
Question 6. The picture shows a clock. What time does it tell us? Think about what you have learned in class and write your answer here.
6:51
